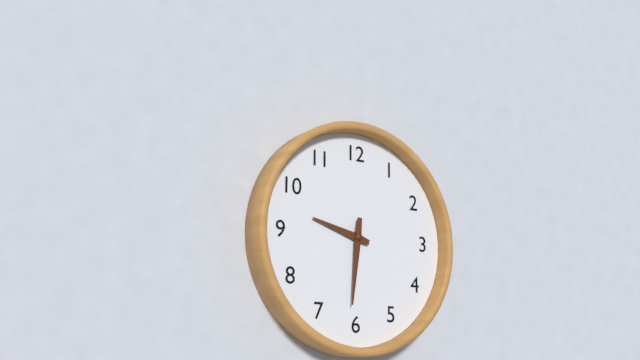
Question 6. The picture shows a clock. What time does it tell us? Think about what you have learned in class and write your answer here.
9:31
